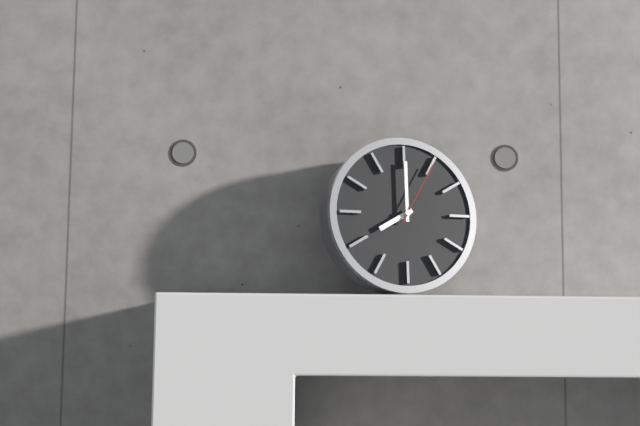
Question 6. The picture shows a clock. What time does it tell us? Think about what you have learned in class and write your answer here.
8:00:05
